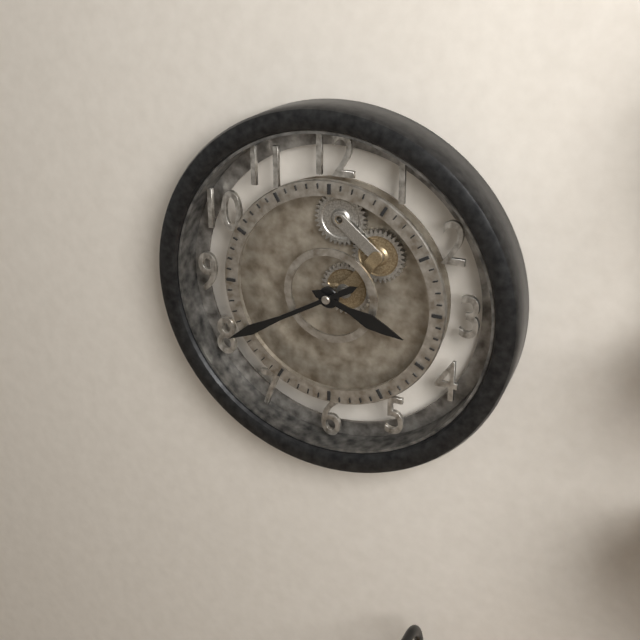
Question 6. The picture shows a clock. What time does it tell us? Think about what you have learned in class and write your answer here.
3:40
